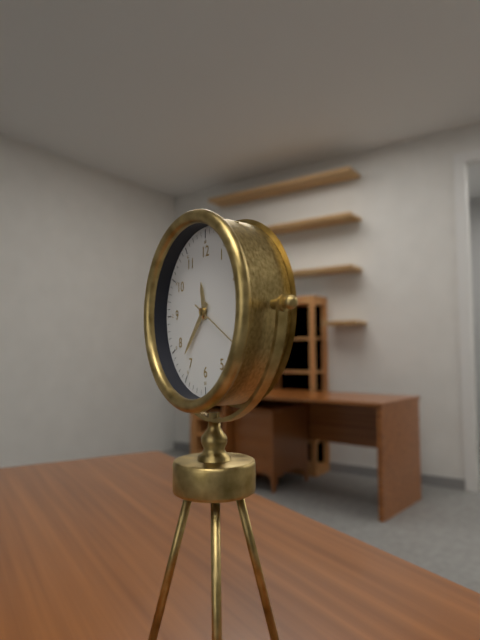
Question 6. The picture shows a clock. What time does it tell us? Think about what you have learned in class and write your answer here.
11:37:20
